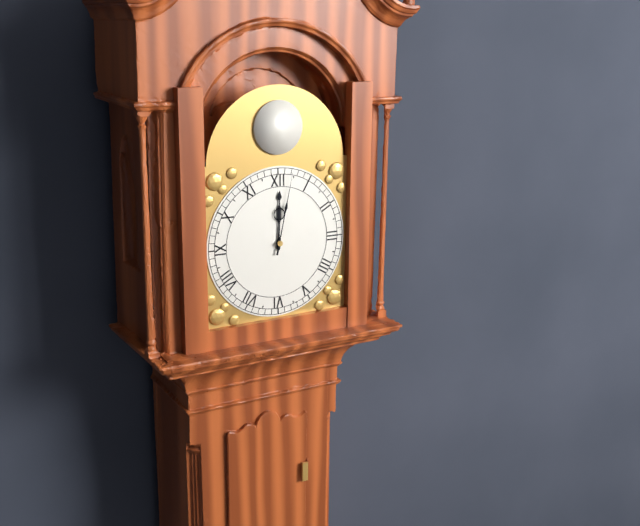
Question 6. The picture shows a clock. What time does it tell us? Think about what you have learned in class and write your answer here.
12:02
